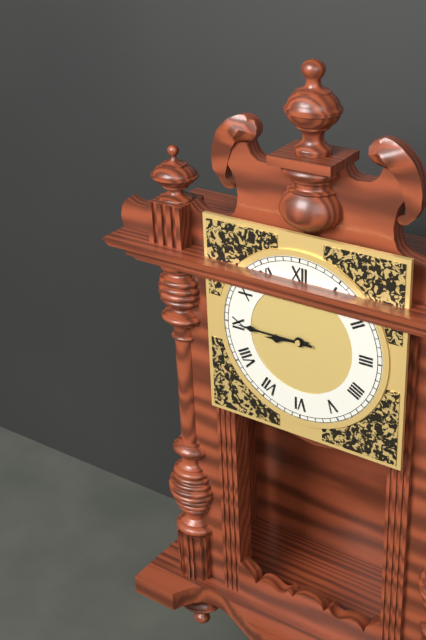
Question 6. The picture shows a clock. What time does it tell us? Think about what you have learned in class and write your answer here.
8:45
